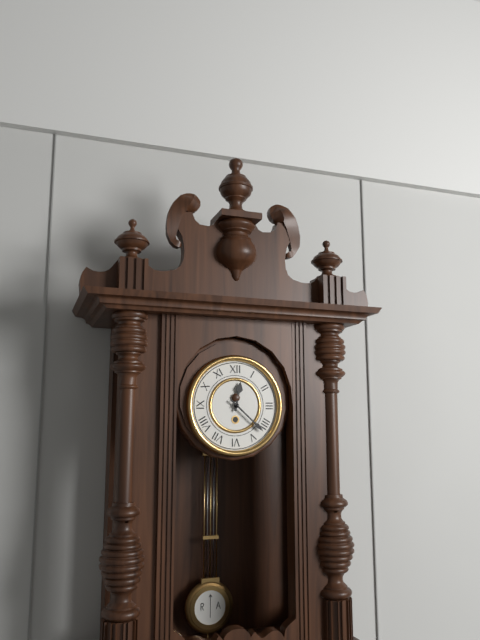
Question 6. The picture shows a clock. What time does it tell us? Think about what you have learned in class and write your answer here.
12:22
